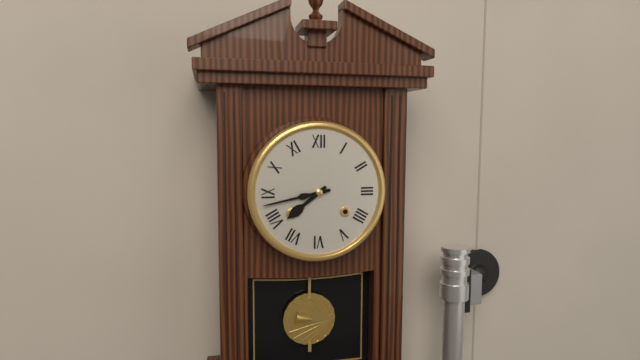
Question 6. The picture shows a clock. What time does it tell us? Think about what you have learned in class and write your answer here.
7:43
